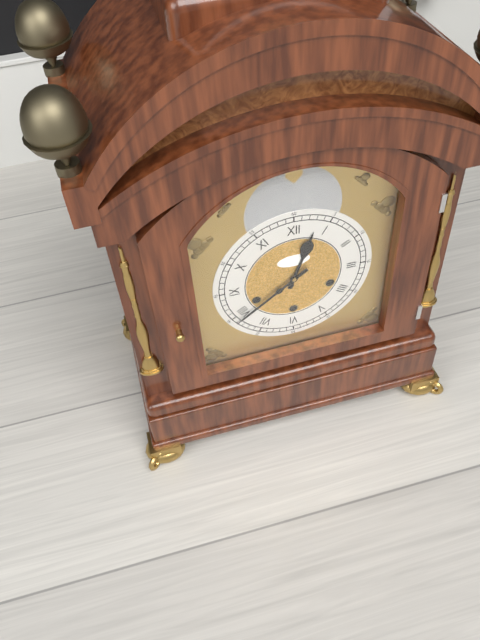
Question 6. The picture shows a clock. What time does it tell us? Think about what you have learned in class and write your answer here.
12:39
